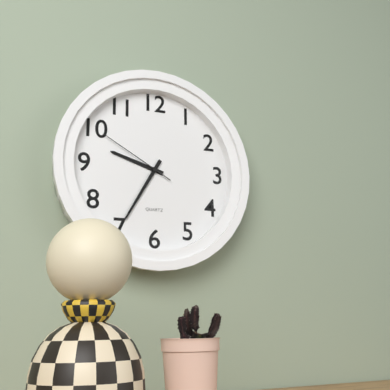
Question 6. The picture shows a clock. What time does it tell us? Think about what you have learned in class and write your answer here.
9:35:50
